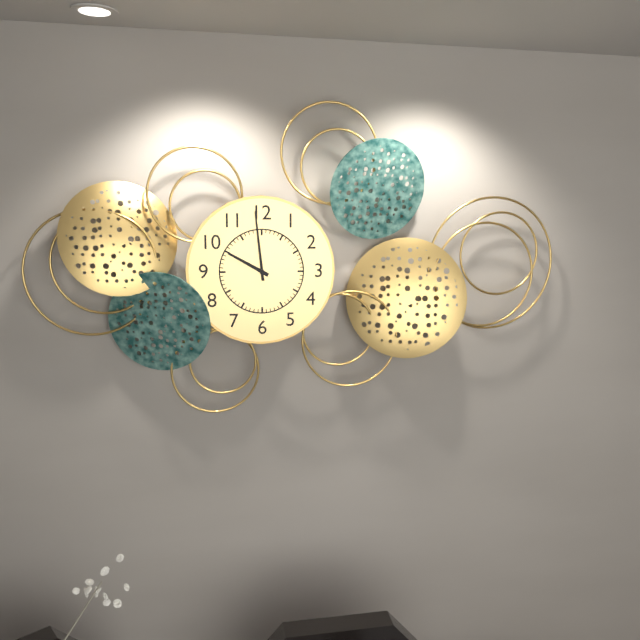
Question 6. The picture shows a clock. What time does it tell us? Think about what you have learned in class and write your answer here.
9:59
